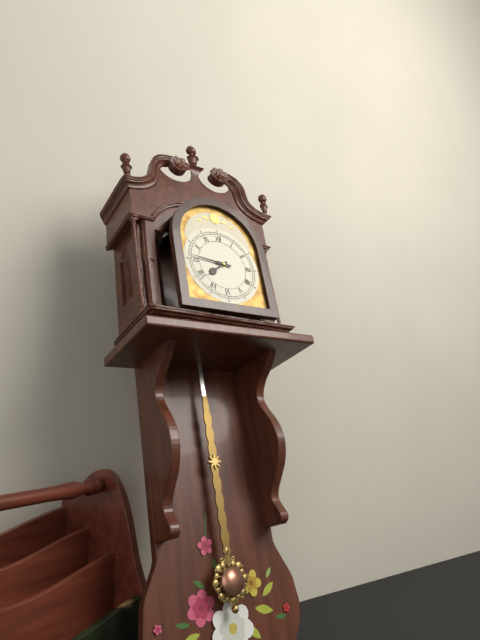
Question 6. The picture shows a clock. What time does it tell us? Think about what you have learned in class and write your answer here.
7:46
